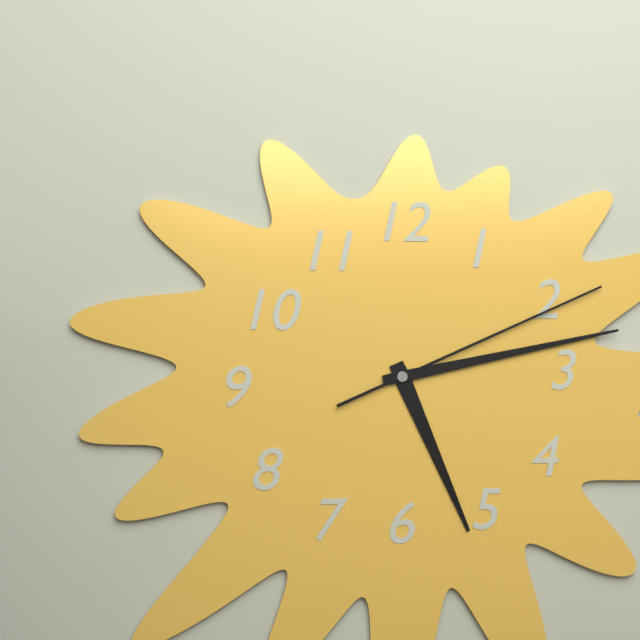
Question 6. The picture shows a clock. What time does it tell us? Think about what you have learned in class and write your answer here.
5:13:11
